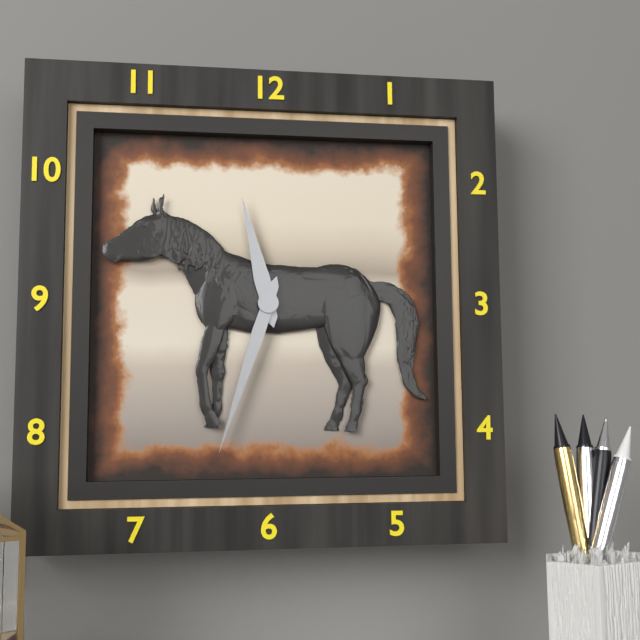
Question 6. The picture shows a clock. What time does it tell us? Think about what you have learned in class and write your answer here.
11:33
